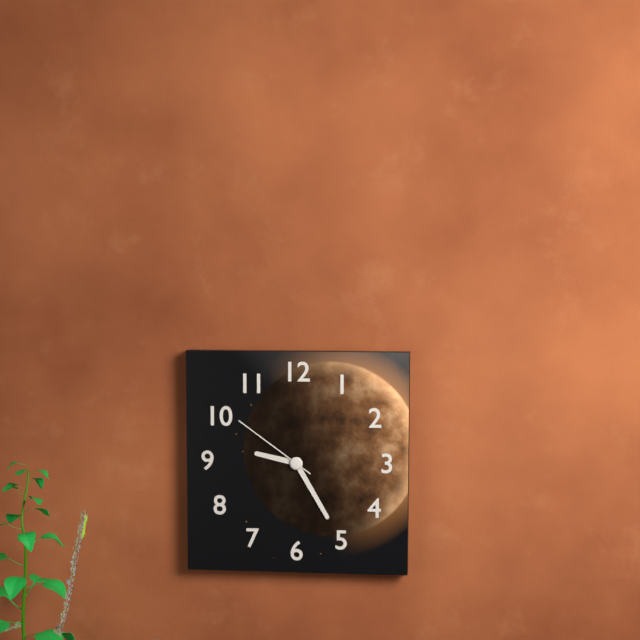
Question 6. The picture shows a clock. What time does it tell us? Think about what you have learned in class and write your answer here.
9:25:51
